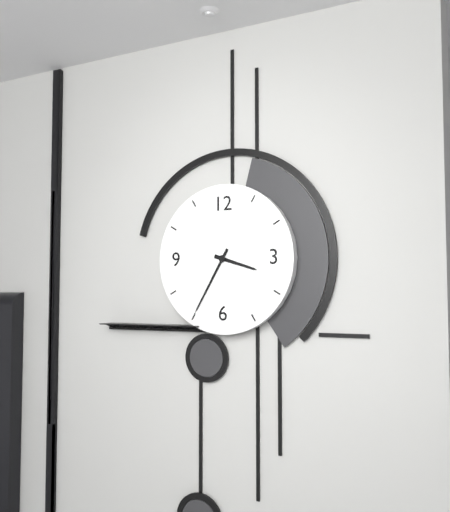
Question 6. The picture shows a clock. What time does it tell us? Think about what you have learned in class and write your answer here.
3:35
